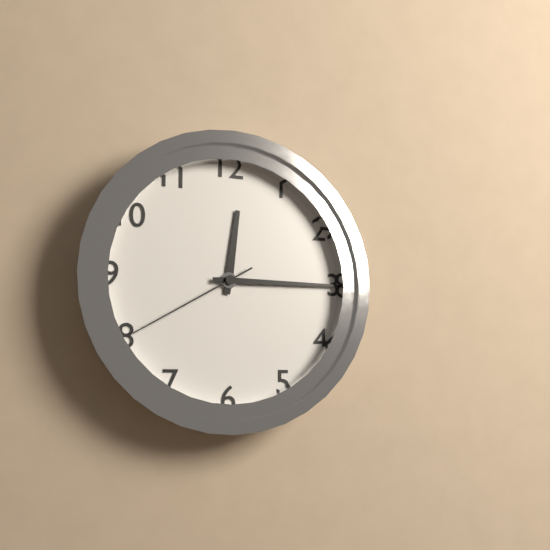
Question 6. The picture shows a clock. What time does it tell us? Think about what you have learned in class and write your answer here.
12:15:40
